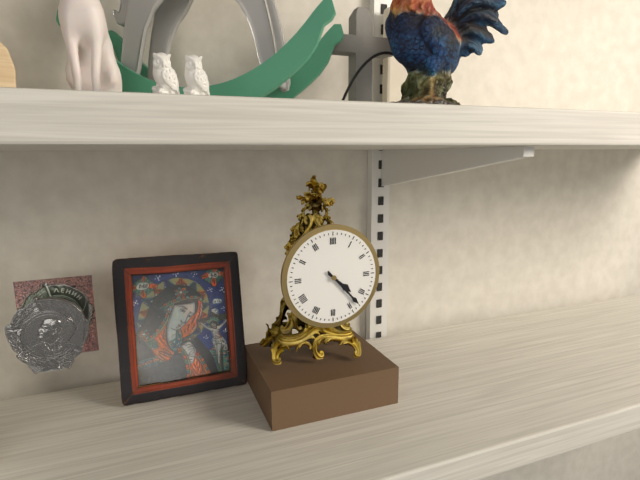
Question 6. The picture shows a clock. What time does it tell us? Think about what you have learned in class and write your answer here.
4:23
